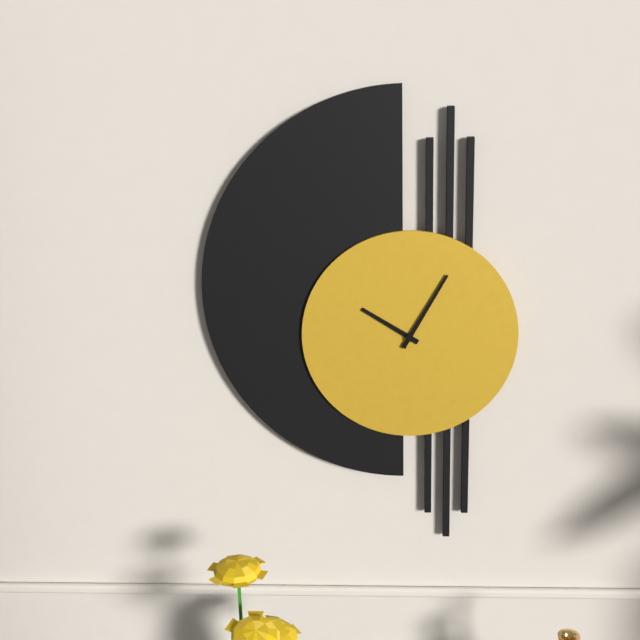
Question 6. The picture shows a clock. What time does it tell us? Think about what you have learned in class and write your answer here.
10:05
